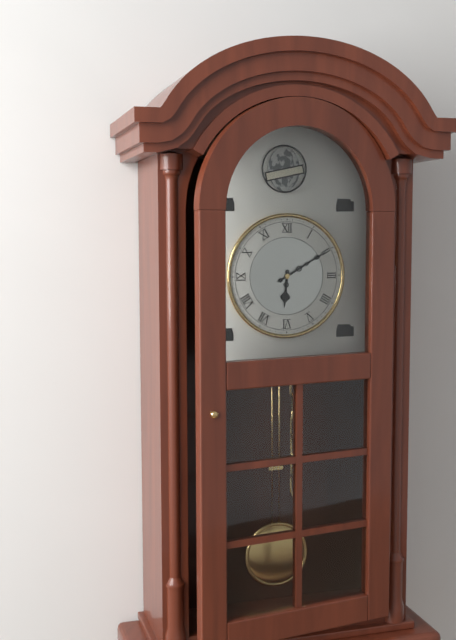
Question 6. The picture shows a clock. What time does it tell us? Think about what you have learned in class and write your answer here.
6:10
